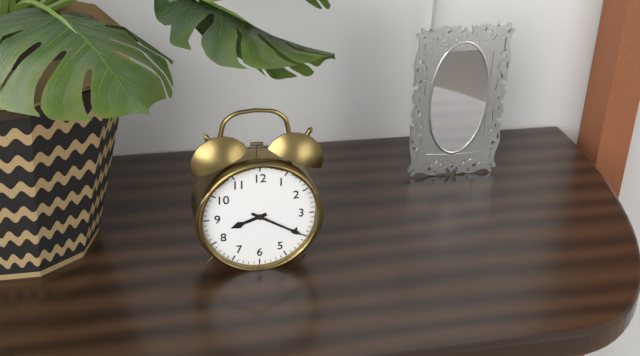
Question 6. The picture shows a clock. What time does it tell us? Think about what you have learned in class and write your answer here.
8:20
